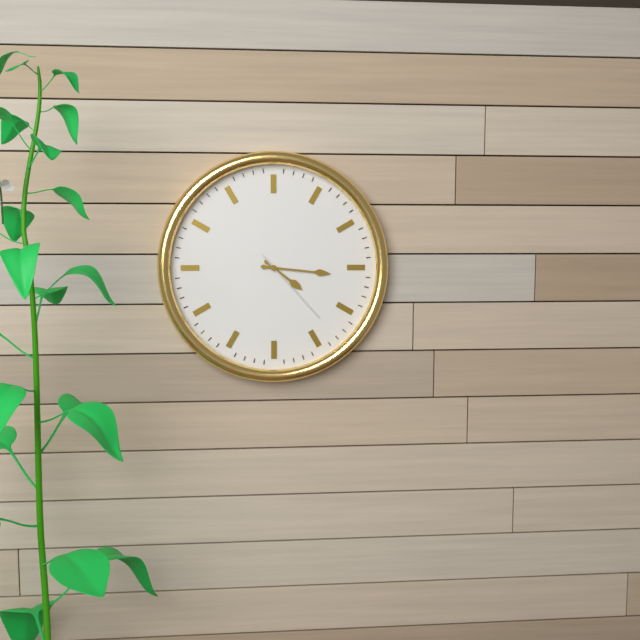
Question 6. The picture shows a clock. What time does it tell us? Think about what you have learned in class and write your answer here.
4:16:23
